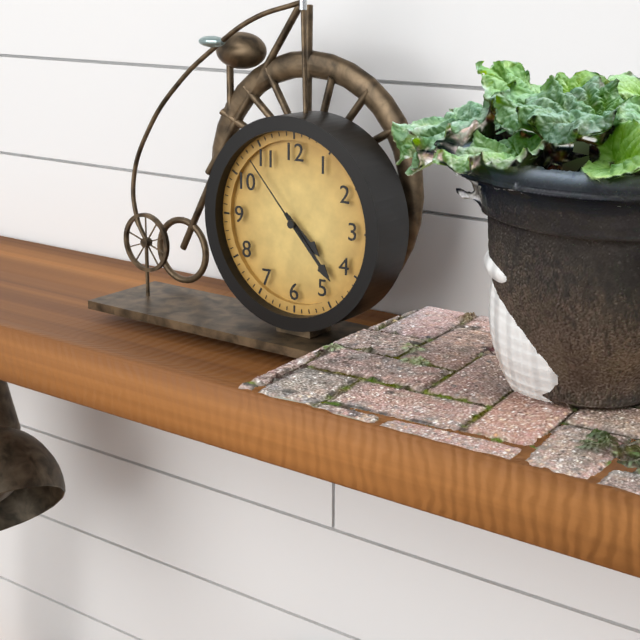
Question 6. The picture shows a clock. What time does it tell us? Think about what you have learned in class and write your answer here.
4:23:53
